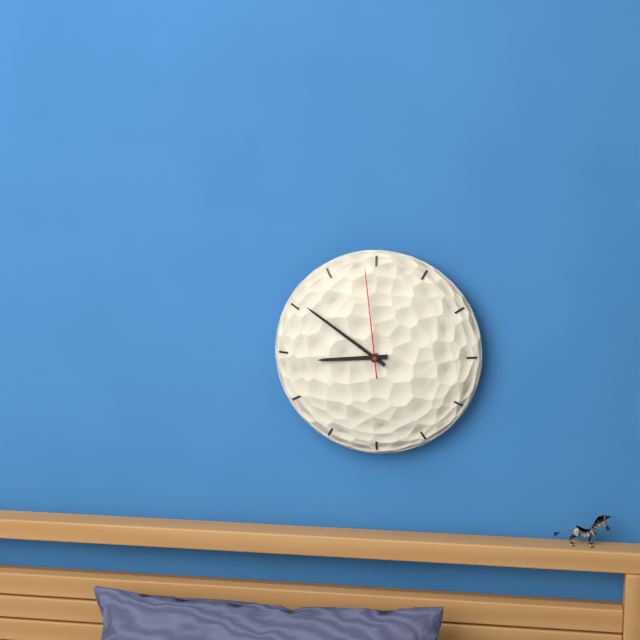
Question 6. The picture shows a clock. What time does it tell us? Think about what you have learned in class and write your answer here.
8:51:59
